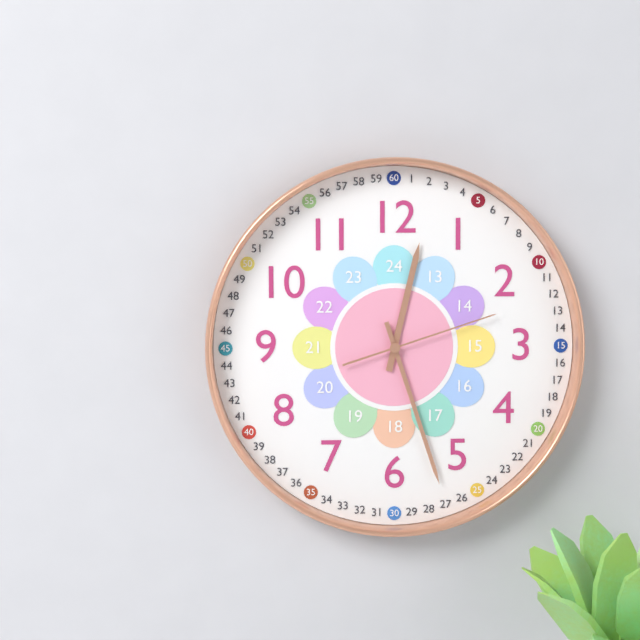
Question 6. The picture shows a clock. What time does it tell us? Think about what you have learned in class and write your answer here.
12:27:12
